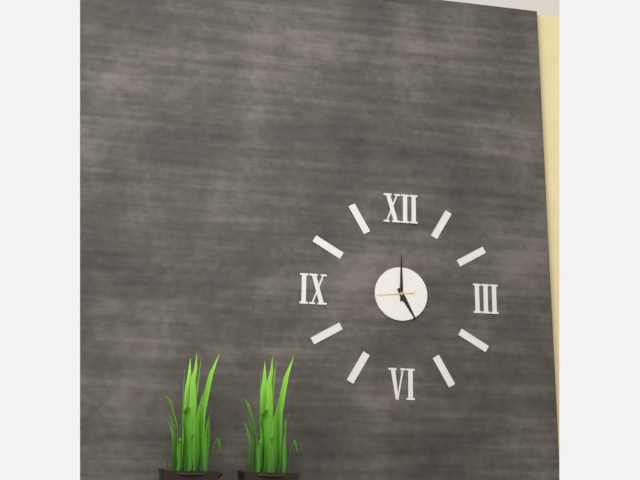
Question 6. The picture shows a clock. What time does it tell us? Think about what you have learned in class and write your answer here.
5:00
